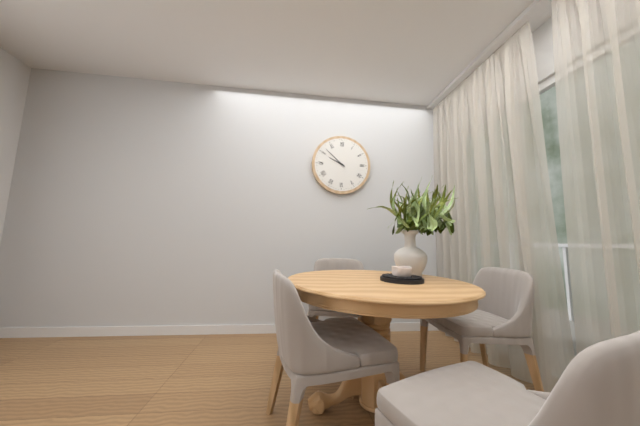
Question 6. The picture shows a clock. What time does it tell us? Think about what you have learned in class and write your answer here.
9:52
